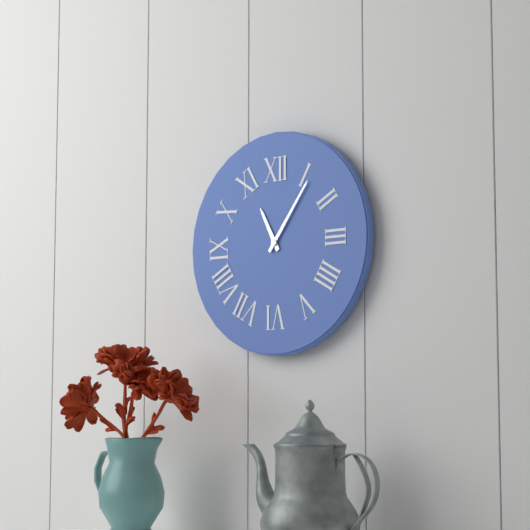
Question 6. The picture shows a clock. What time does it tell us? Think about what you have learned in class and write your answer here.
11:06
